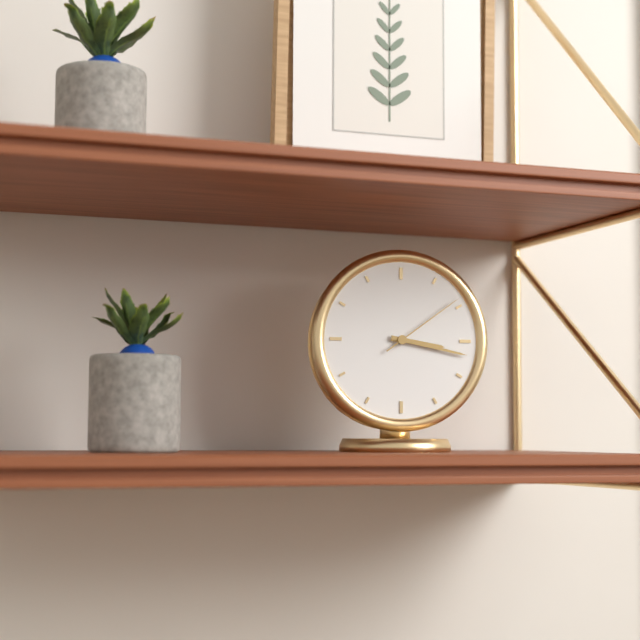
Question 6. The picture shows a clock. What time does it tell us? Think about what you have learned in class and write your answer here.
3:17:09
